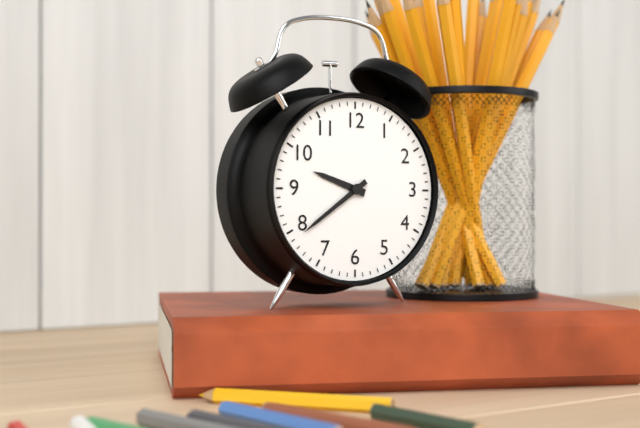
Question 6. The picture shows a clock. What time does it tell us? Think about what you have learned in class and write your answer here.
9:39
